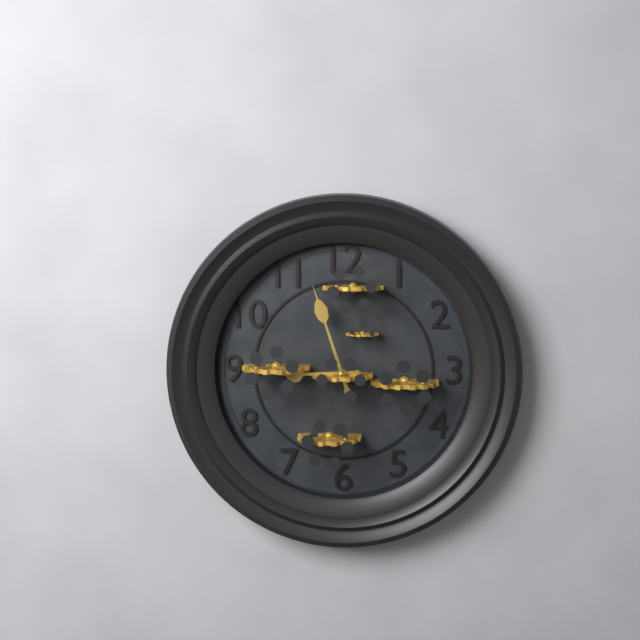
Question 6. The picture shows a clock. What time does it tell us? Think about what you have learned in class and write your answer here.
8:57
